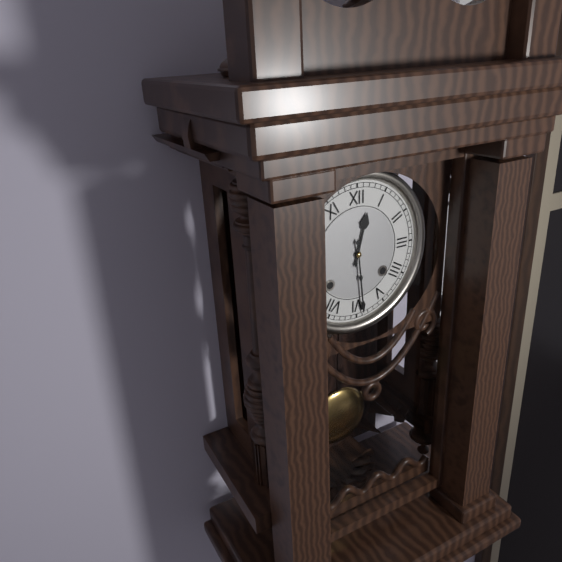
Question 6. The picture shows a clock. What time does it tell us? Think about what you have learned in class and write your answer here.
12:29
